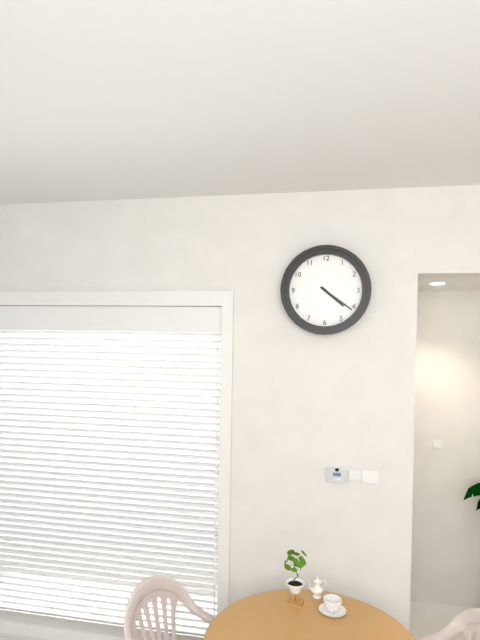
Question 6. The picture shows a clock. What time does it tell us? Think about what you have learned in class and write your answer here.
4:21
